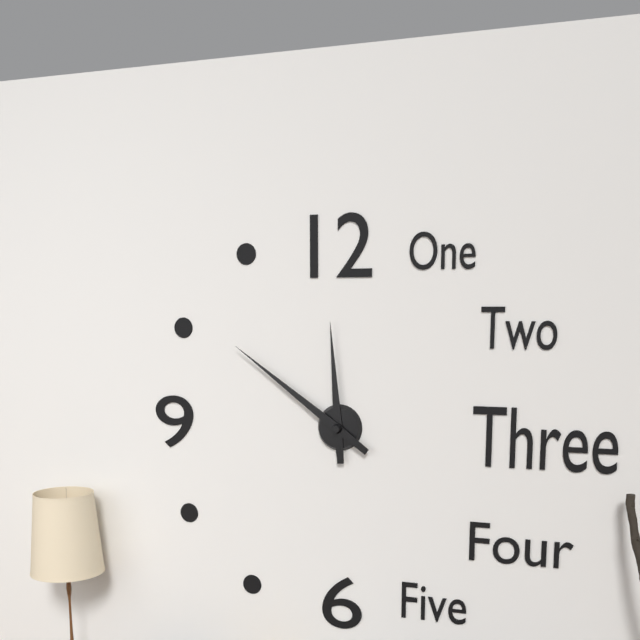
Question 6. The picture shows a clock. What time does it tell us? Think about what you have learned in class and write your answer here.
11:51
